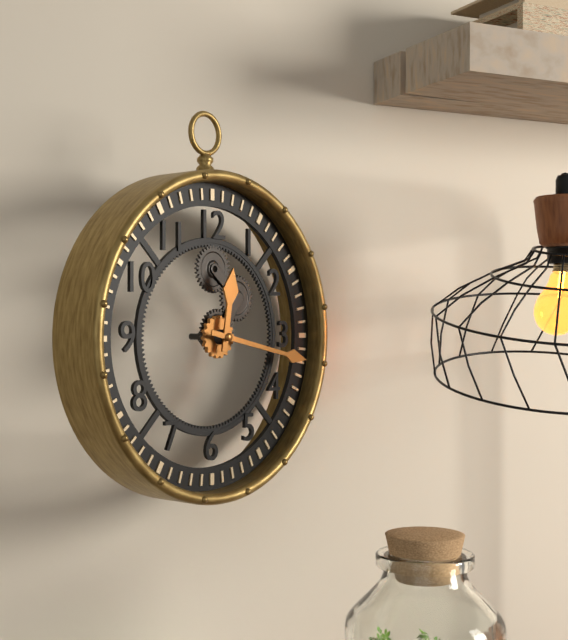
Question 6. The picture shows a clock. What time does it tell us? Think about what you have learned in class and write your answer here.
12:17
